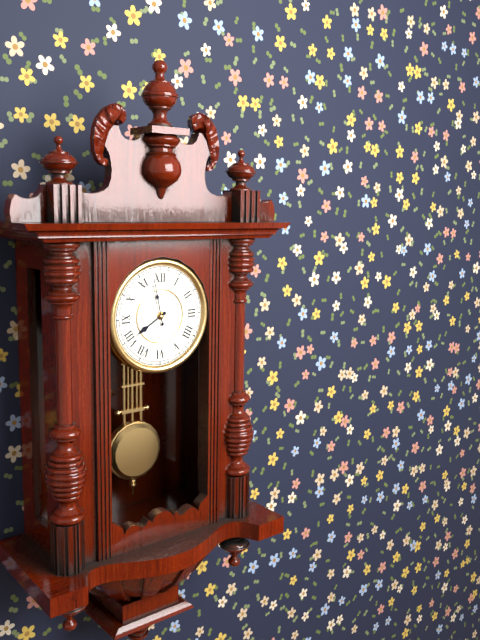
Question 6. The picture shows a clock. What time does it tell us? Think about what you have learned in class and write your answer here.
7:58
